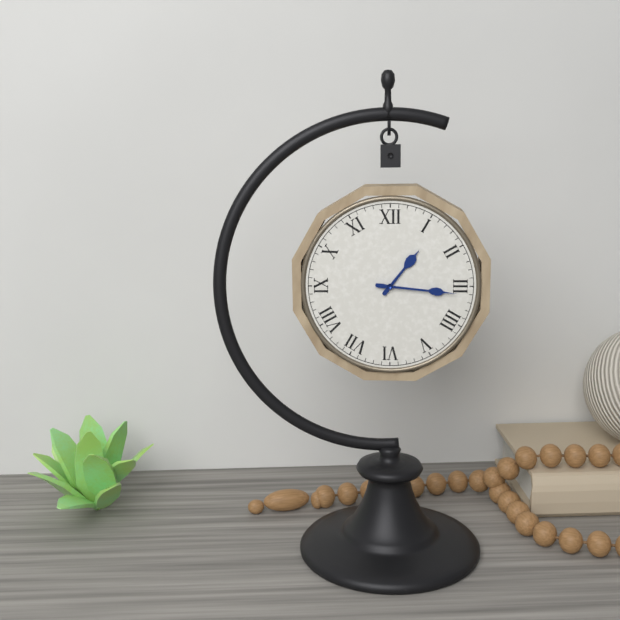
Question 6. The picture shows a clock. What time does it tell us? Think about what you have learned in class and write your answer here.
1:16
